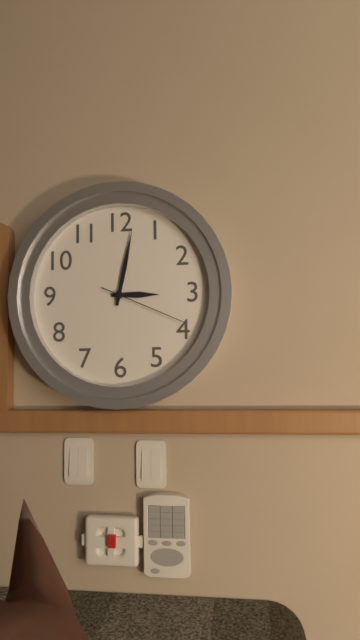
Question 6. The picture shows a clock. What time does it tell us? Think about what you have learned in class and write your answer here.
3:02:19
